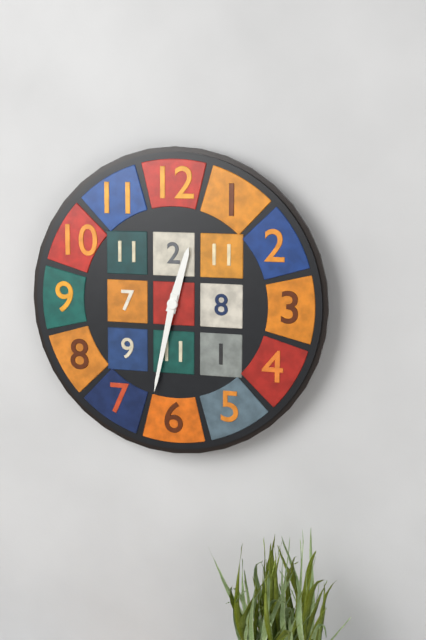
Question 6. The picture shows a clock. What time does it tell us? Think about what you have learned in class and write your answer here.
12:32
